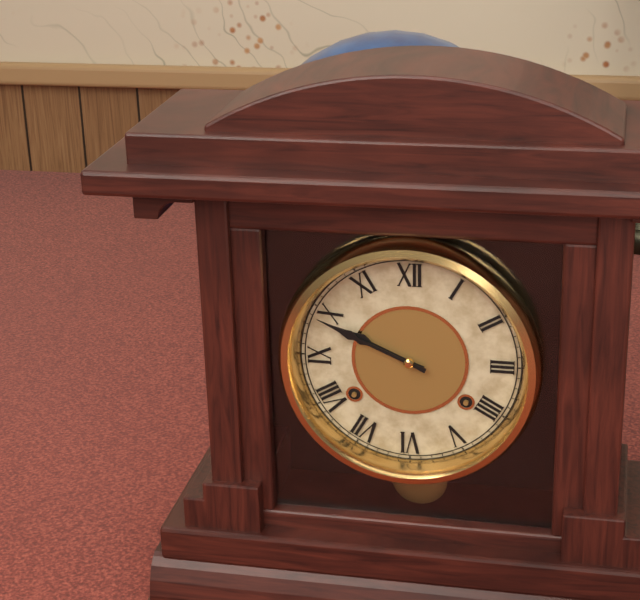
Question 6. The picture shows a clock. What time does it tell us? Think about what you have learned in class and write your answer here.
9:49
